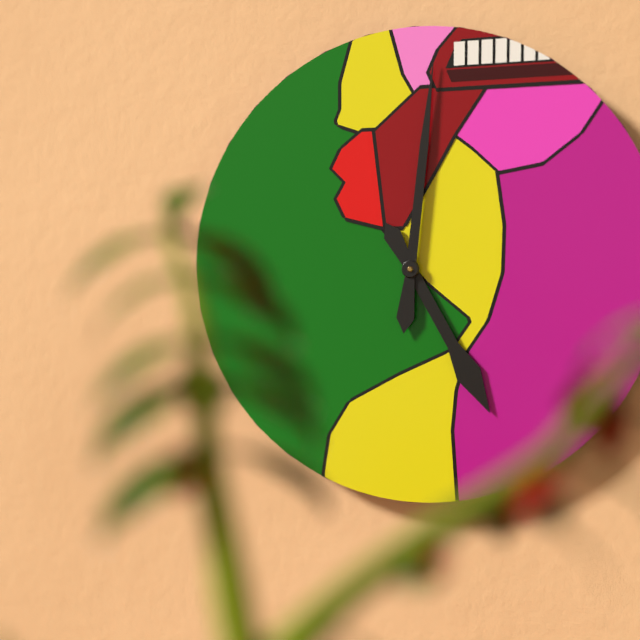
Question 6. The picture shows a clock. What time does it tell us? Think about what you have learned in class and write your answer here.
5:01
